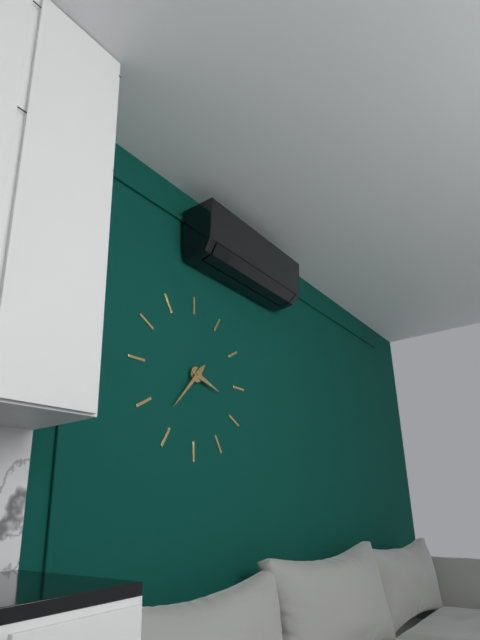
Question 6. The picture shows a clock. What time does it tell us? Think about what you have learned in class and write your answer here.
3:37
